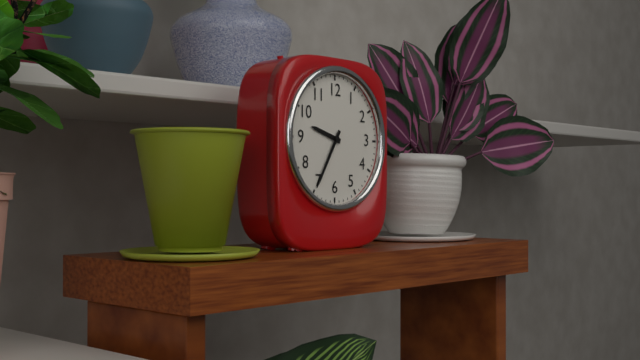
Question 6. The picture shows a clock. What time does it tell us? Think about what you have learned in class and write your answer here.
9:35
